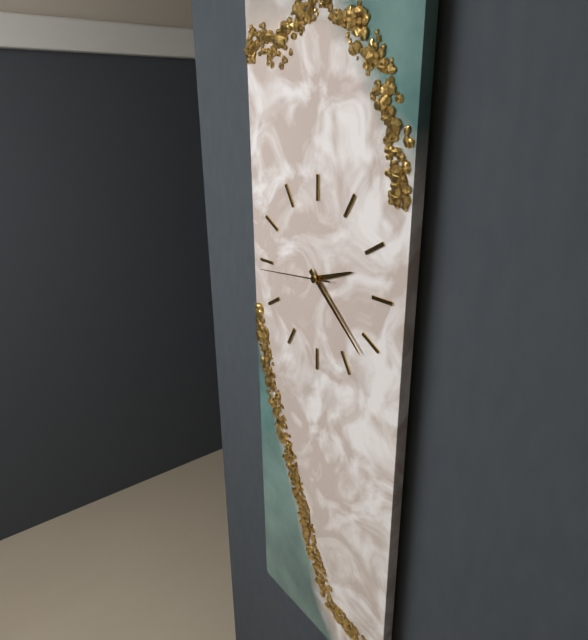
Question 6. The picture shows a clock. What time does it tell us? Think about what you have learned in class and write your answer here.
2:22:44
